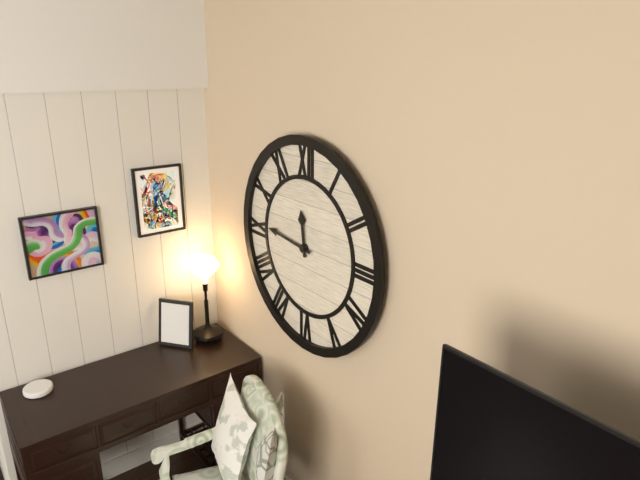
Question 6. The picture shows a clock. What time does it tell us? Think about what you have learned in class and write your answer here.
11:46
